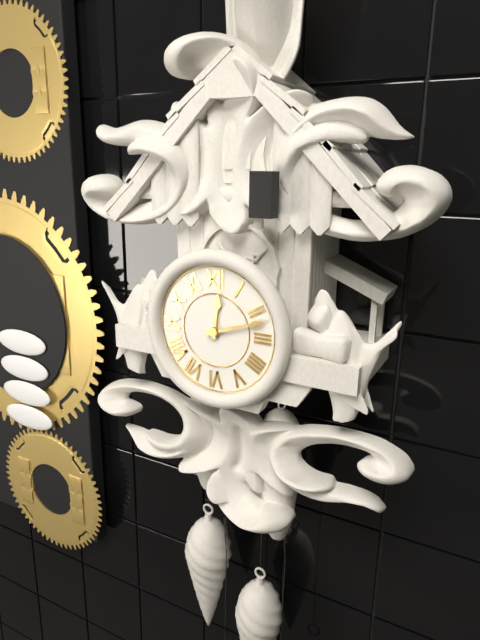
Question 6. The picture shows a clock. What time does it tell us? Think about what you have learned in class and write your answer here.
12:12
